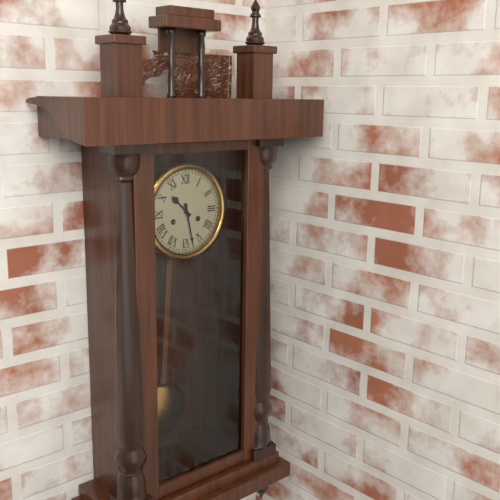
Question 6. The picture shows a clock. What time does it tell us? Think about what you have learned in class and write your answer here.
10:28
